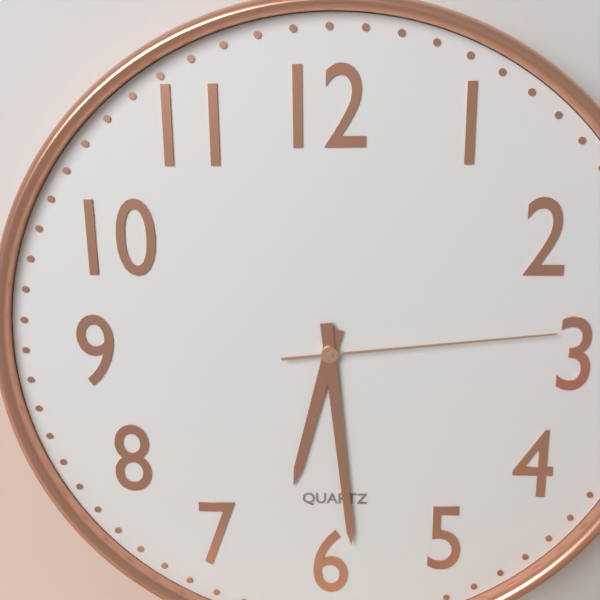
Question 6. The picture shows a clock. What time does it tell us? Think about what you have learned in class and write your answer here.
6:29:14
